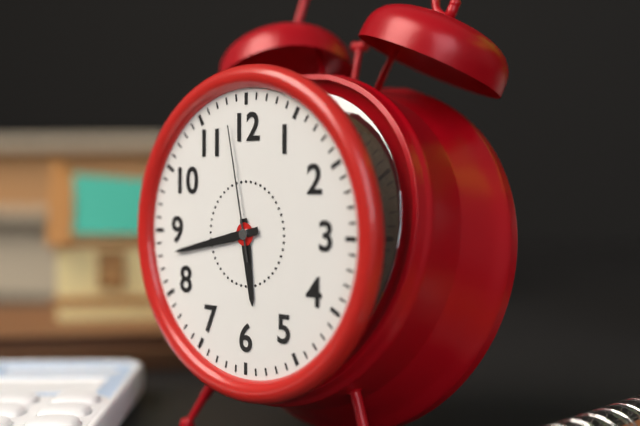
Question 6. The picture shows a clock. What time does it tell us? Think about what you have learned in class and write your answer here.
5:43:58
